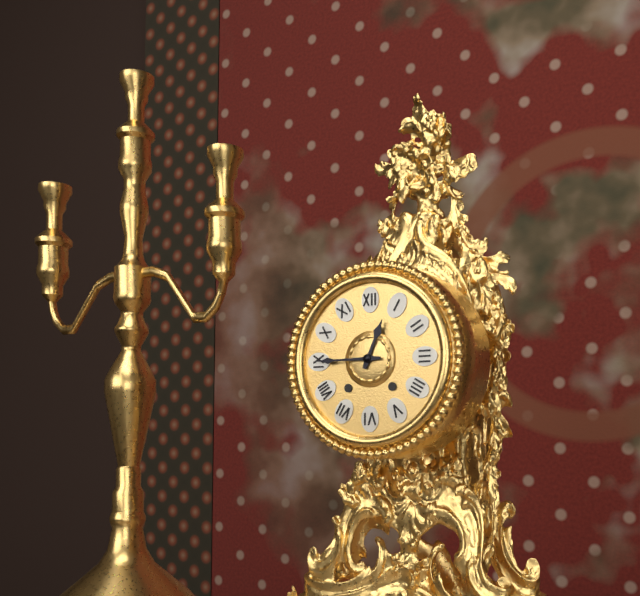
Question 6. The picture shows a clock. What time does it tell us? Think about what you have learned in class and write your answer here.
12:45
